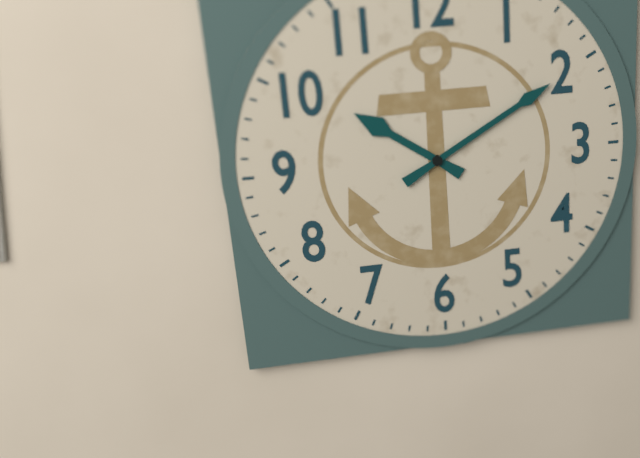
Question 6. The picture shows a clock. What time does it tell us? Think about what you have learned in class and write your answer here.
10:10
